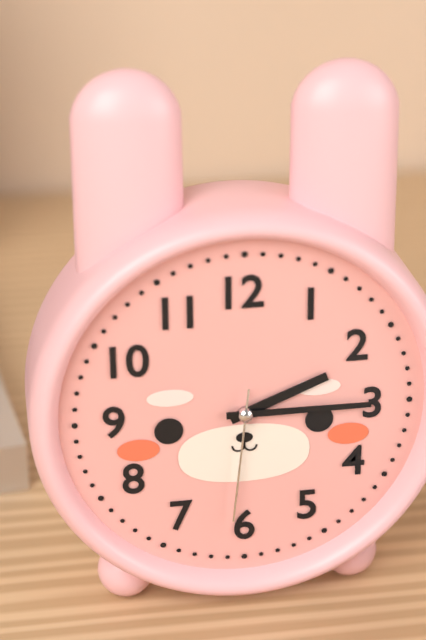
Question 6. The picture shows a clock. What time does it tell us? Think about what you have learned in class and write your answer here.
2:15:31
